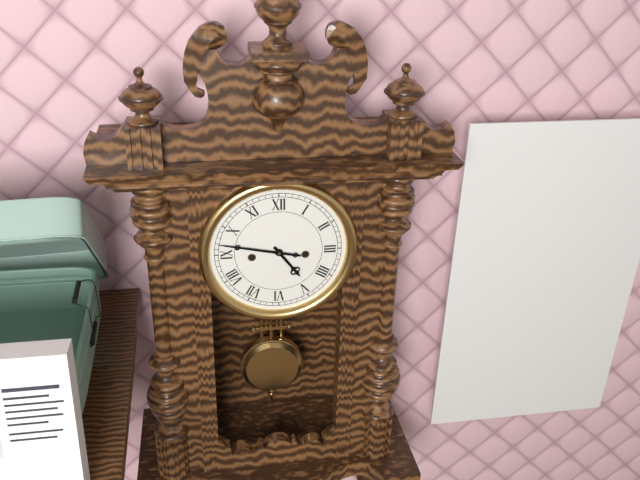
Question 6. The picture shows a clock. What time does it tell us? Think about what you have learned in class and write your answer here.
4:47
